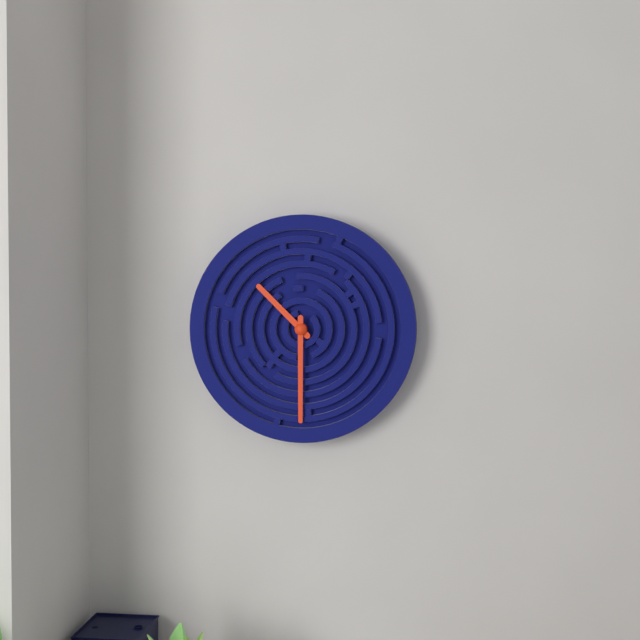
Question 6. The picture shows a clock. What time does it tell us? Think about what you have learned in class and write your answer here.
10:30
